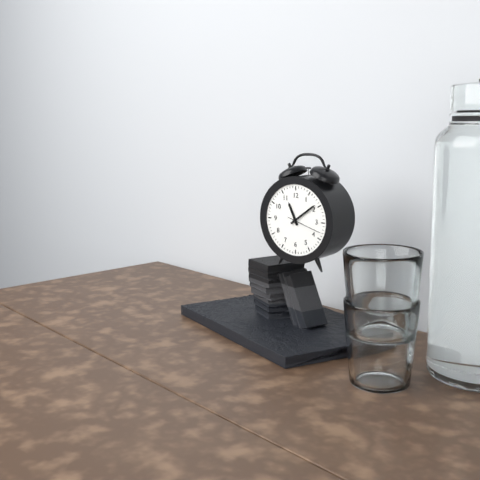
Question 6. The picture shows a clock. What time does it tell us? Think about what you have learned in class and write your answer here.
11:09
